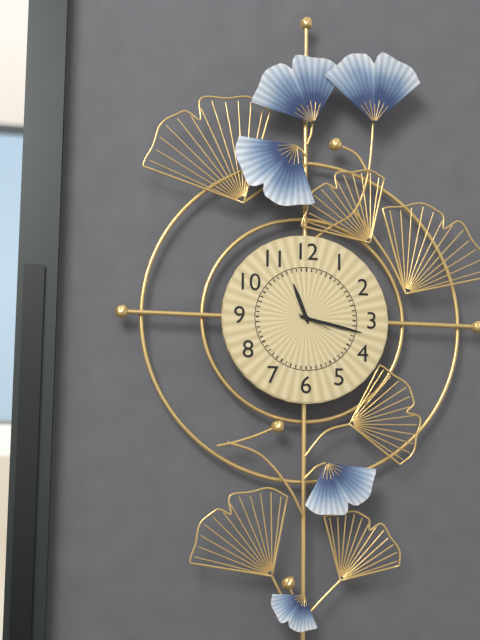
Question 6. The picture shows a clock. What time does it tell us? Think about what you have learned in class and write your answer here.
11:17
